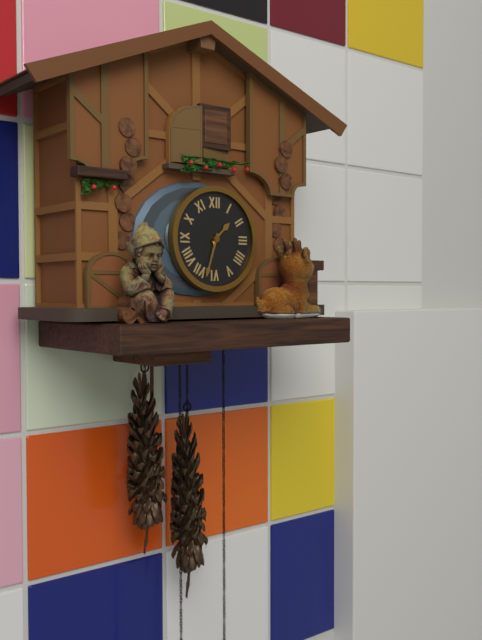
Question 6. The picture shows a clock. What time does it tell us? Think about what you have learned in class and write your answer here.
1:33
